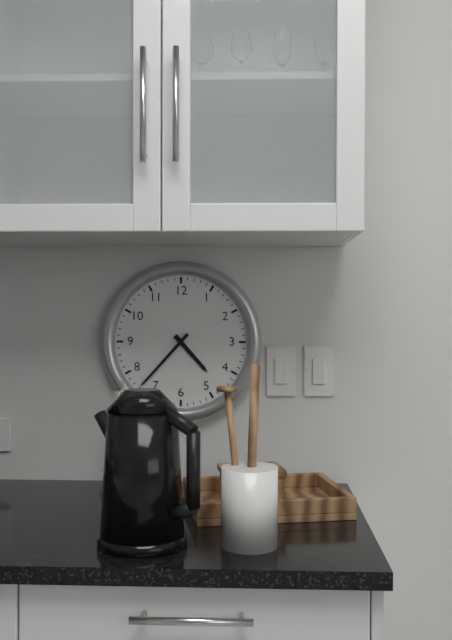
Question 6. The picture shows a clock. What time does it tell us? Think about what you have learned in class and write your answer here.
4:37
